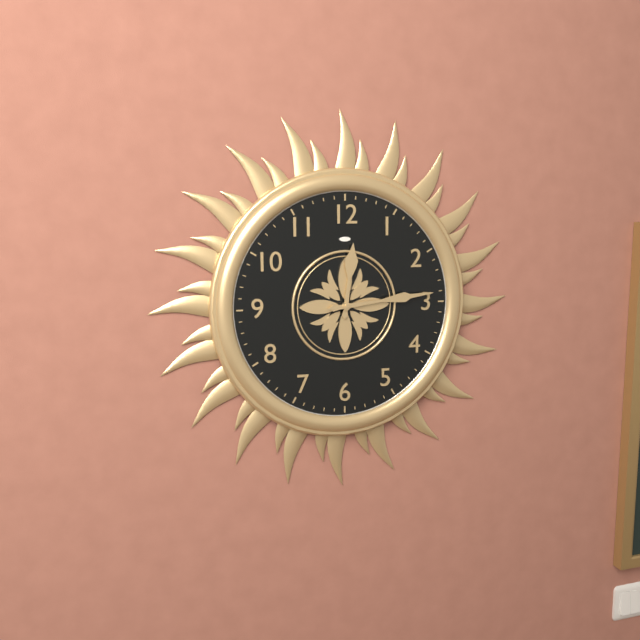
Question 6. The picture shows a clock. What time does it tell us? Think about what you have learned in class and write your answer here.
12:14
